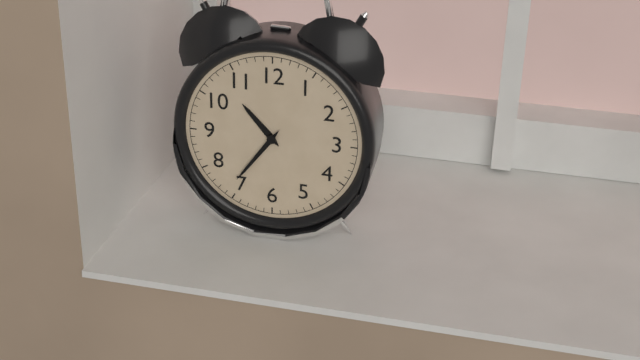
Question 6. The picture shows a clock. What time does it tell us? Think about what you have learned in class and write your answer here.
10:36
